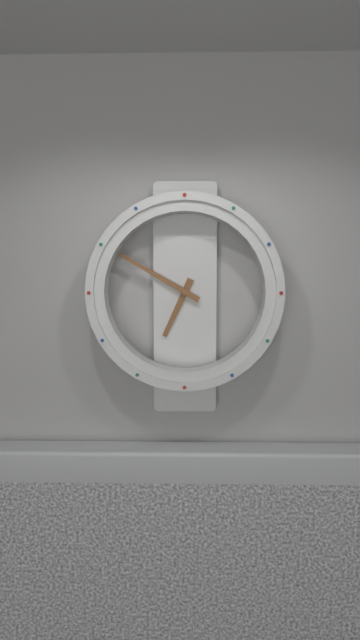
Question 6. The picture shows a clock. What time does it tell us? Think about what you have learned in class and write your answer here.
6:50
